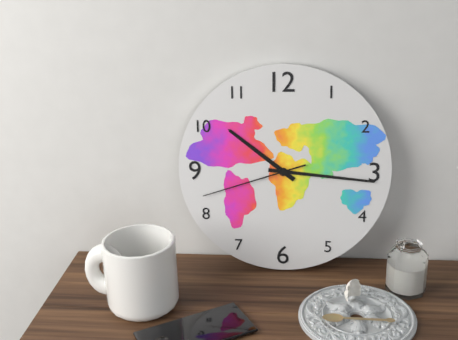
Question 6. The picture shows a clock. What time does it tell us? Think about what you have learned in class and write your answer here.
10:16:42
